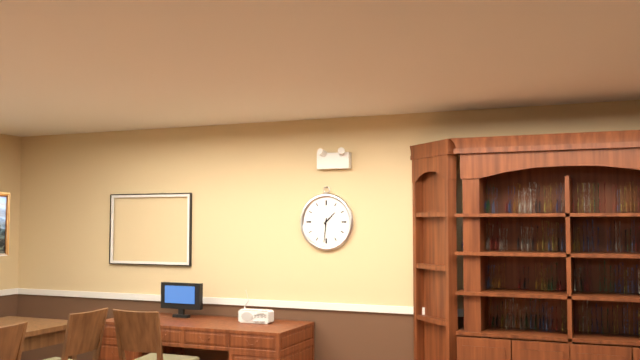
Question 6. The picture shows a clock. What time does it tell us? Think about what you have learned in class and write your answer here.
1:31
